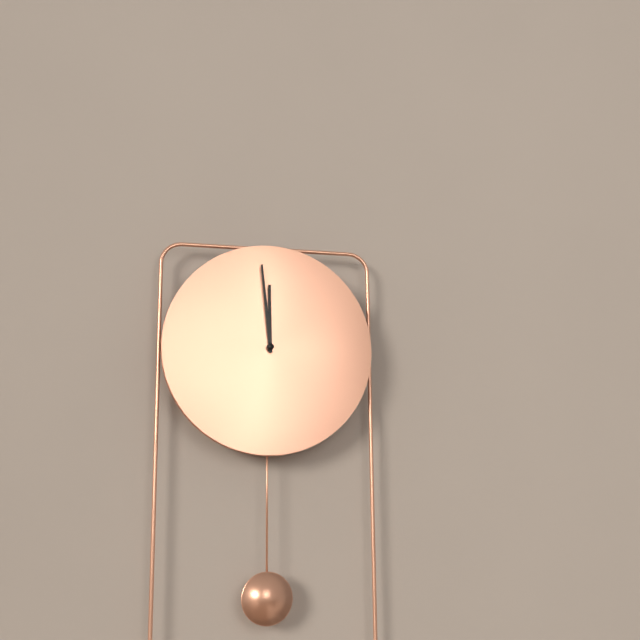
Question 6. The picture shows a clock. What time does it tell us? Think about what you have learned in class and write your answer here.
11:59
